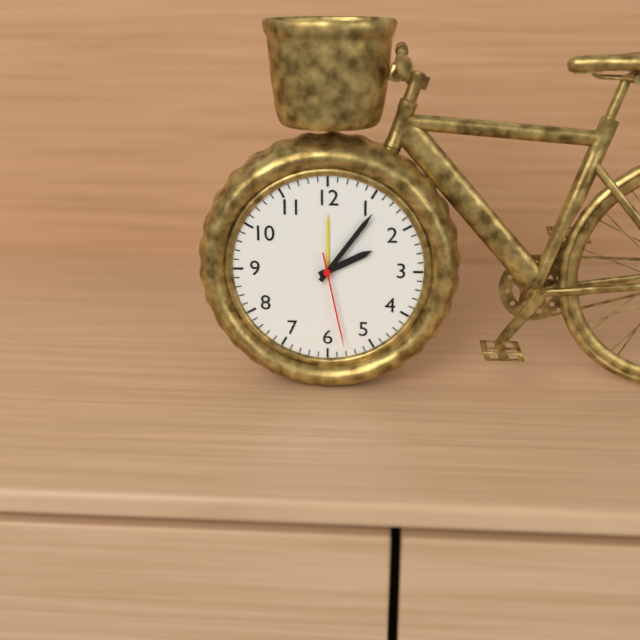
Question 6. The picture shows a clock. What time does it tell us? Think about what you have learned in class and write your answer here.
2:06:28
